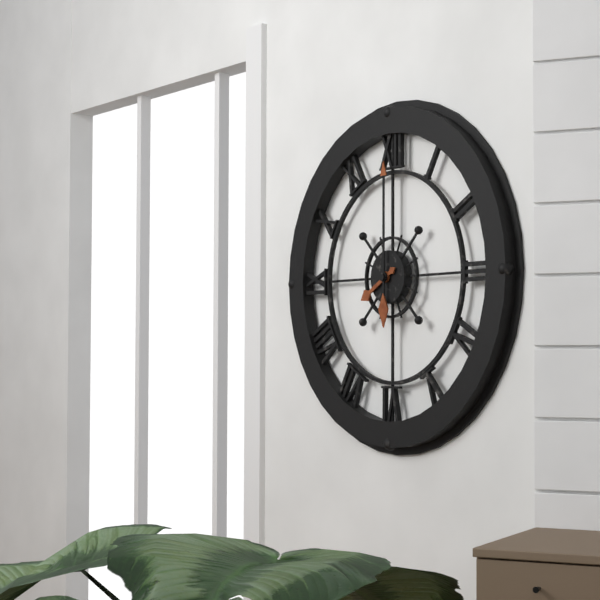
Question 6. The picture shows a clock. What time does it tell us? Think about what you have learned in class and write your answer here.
8:00
